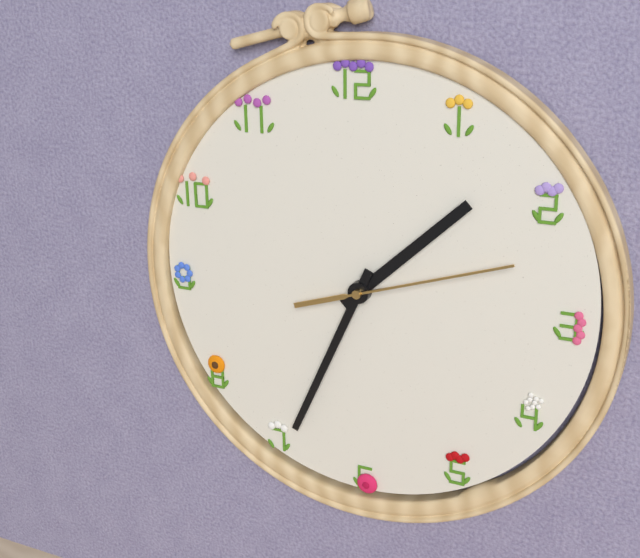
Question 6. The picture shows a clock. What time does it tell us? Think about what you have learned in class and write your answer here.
1:34:12
